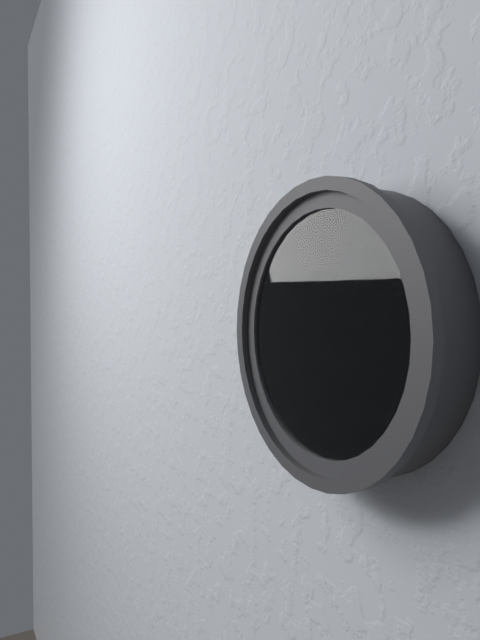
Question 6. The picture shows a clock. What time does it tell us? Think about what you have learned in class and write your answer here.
6:46:05
